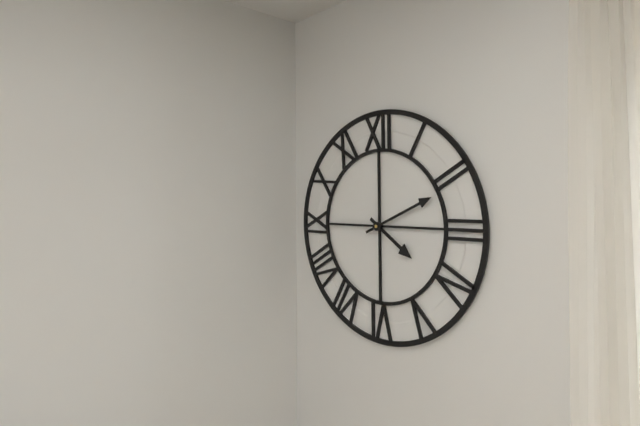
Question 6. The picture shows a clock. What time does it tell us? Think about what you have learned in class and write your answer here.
4:11
